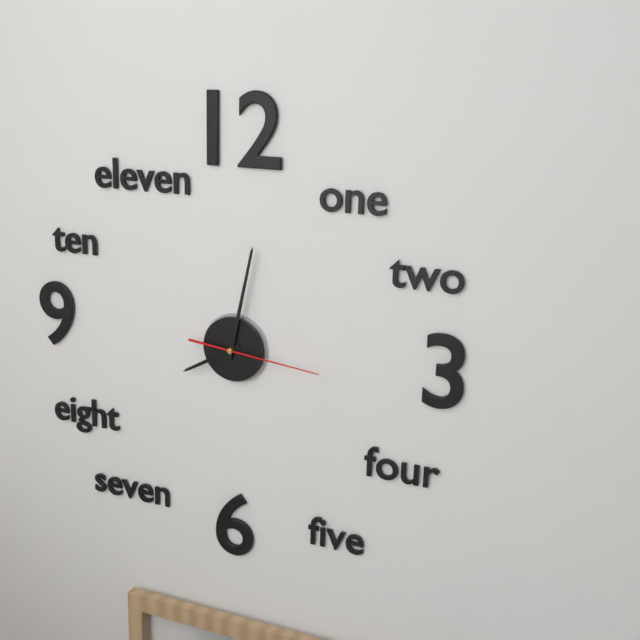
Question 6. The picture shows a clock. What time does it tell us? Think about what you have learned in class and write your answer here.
8:02:16
